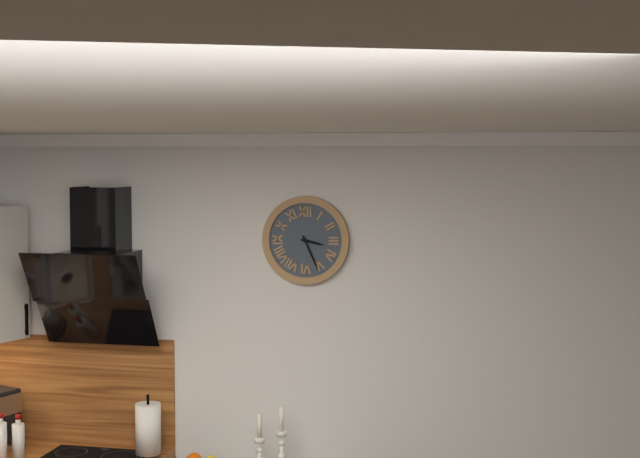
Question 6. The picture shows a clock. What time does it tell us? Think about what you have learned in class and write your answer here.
3:26
